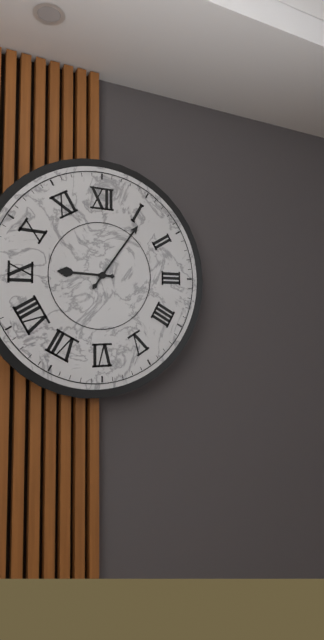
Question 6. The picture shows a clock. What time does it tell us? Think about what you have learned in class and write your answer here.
9:06
